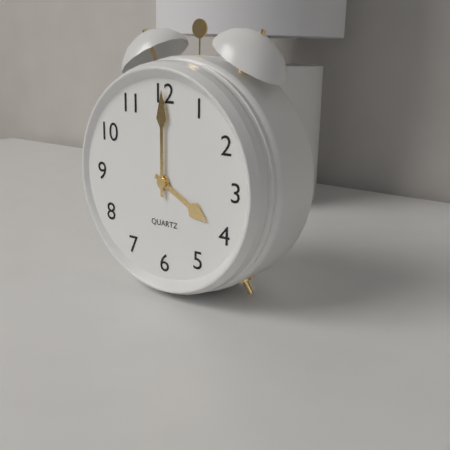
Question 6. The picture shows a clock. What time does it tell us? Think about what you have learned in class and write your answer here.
4:00
